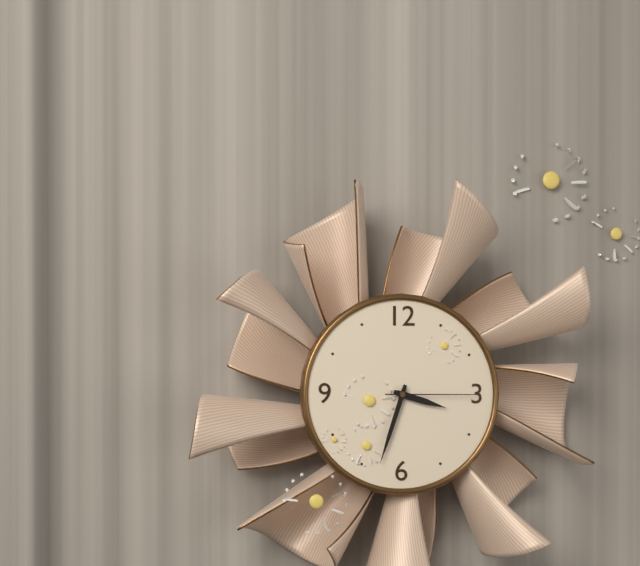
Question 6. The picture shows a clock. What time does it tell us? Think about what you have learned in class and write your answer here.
3:33:15
